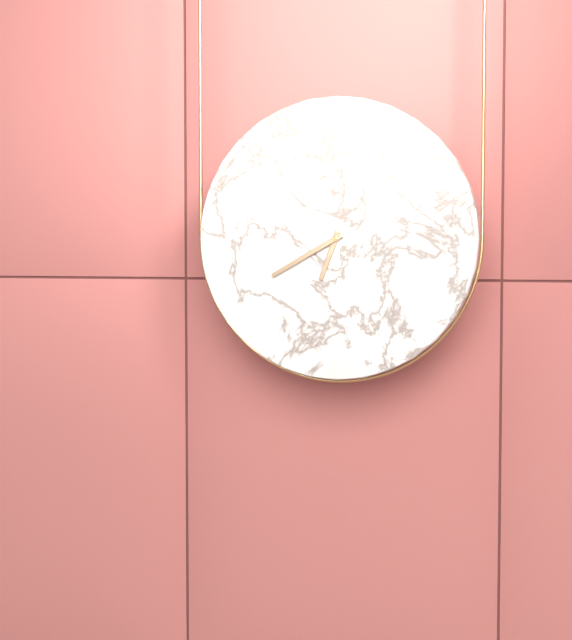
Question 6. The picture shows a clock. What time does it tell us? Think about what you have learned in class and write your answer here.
6:40
